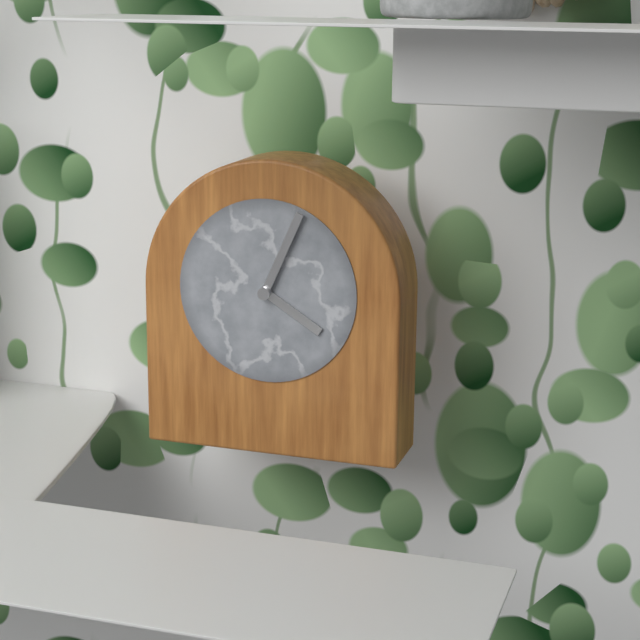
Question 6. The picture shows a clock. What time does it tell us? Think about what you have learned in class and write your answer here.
4:04
